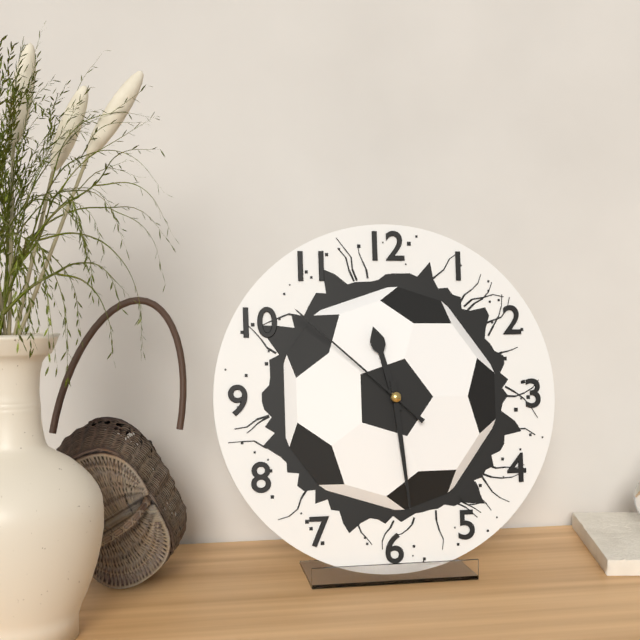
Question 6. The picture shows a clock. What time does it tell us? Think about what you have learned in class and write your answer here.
11:29:52
